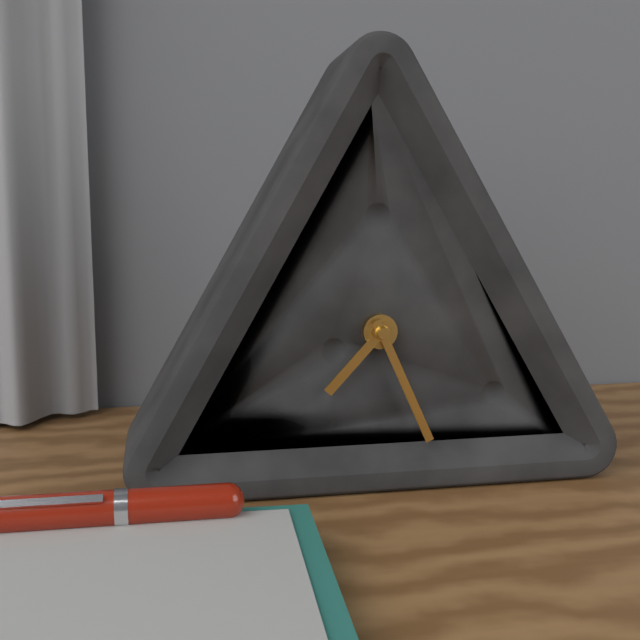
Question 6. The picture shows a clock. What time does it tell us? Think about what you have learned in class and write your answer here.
7:26
